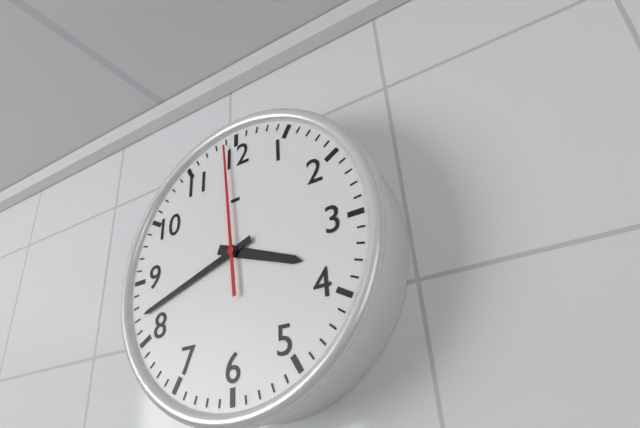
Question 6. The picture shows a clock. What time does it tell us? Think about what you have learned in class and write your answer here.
3:42:59
